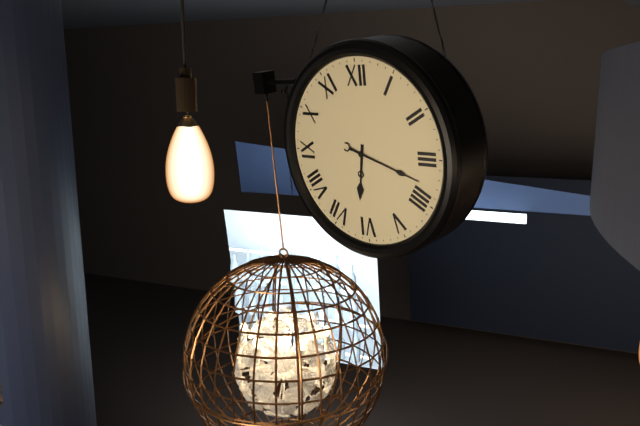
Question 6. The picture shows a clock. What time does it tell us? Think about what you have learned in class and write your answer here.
6:18
